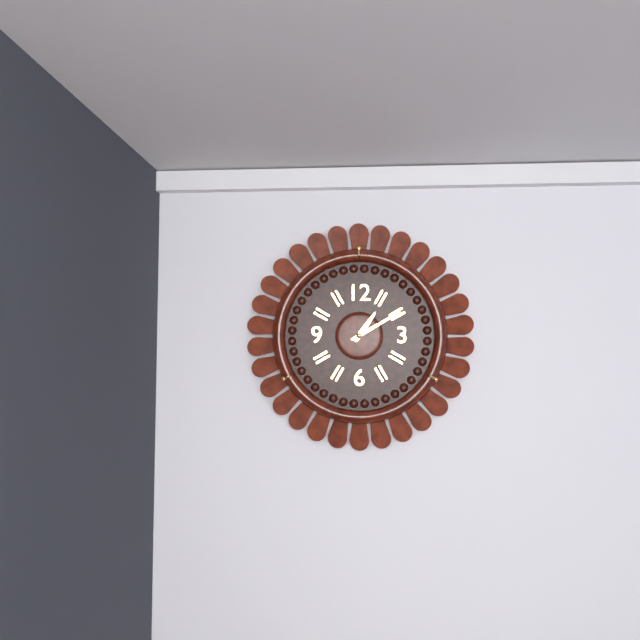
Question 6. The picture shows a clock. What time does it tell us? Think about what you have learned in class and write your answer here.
1:10
